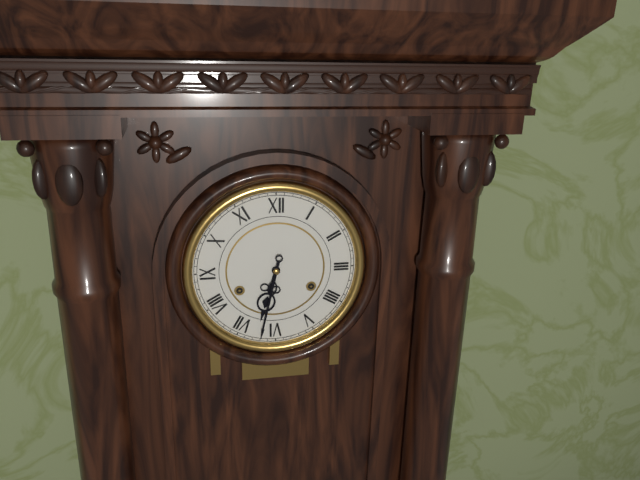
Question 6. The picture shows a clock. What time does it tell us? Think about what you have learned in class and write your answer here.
6:32
